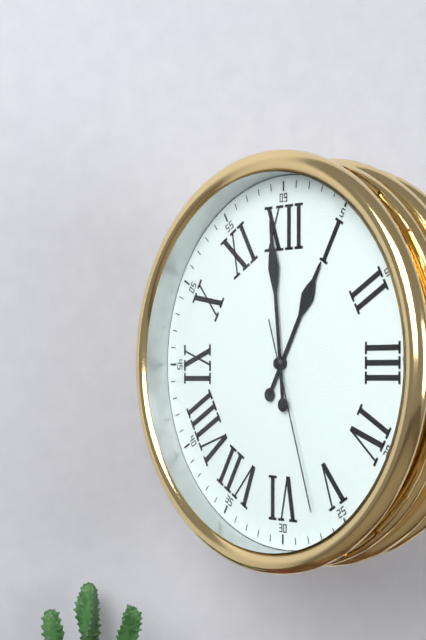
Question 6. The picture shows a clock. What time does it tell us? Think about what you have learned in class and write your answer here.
12:59:27
